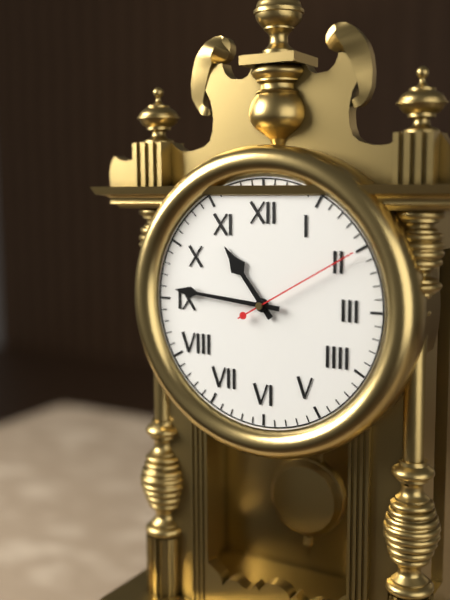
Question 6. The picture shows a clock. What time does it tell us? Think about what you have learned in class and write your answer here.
10:46:10
